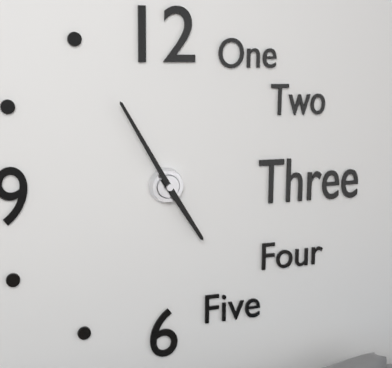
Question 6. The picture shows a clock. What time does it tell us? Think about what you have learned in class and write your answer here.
4:55
